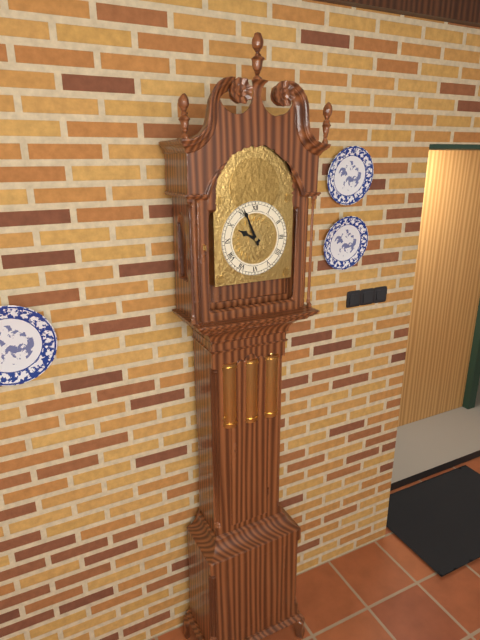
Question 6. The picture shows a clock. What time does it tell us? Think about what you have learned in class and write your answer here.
9:56
